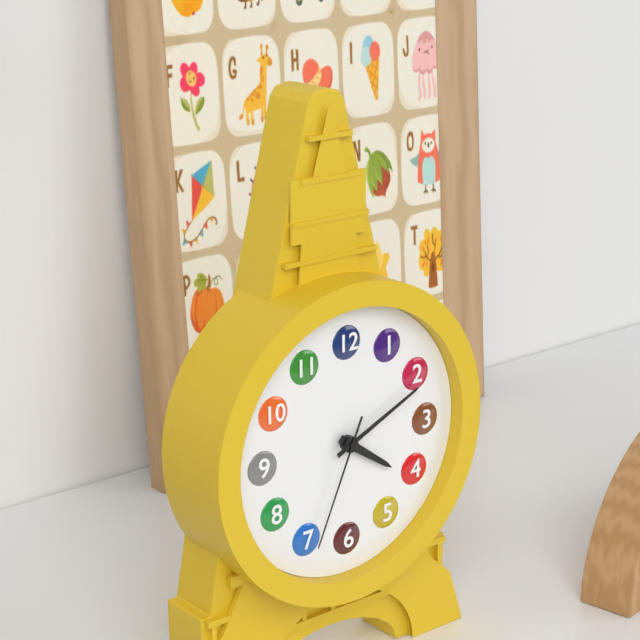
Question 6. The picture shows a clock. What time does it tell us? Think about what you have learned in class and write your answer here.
4:11:34
